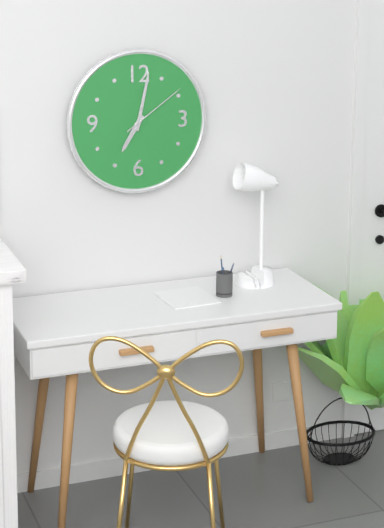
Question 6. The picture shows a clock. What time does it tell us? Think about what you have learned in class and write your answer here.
7:02:09
